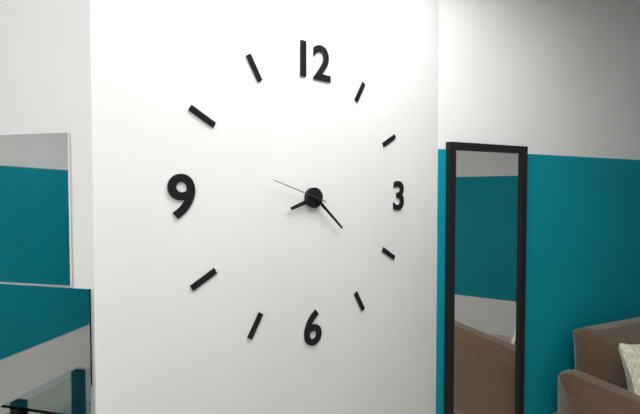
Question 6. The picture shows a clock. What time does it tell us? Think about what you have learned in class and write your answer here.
8:22:48
